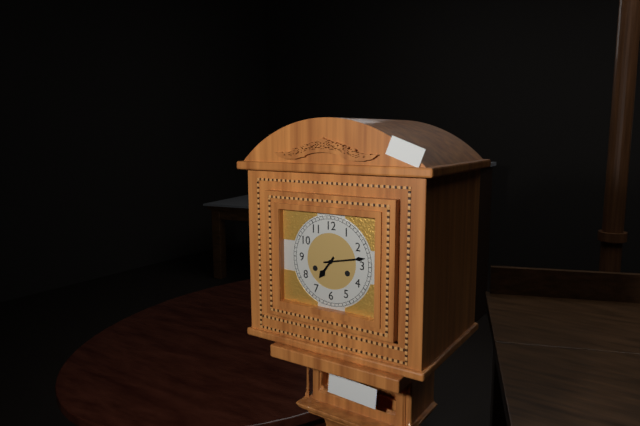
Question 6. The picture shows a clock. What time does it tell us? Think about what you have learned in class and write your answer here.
7:13
